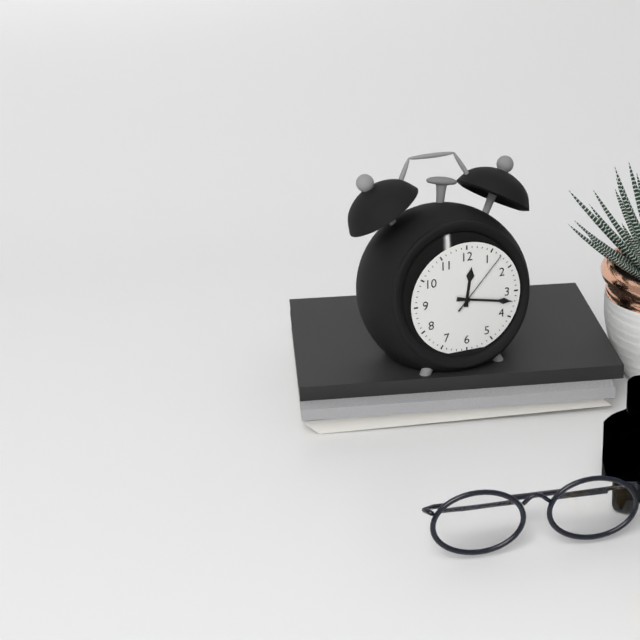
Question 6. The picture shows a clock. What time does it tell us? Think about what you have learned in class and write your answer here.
12:17:07
